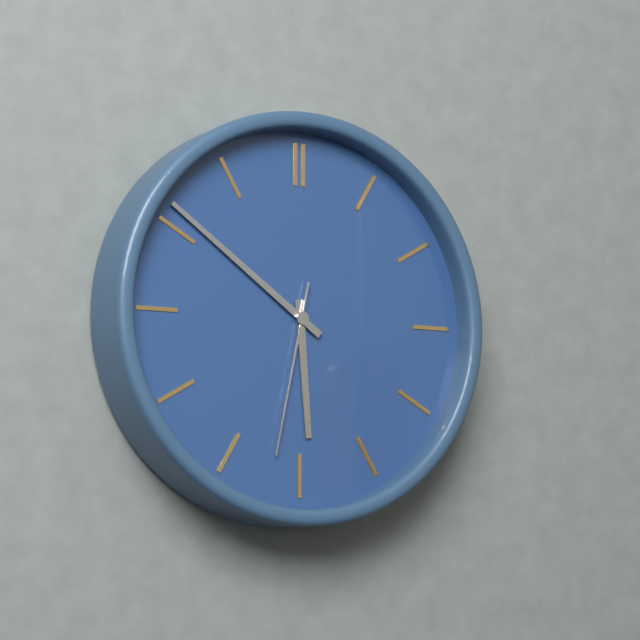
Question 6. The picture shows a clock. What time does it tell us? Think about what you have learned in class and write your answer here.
5:51:32
